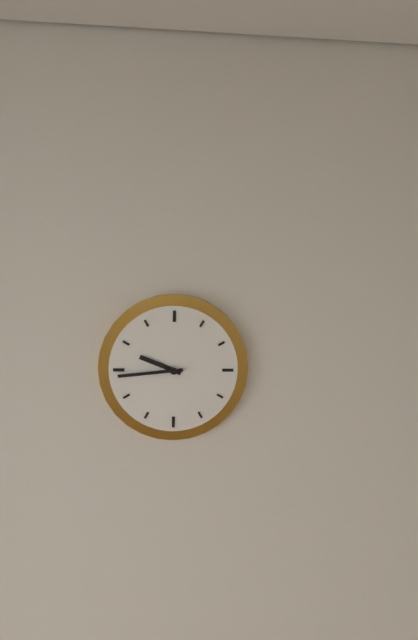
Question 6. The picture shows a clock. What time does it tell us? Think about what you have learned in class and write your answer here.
9:44
